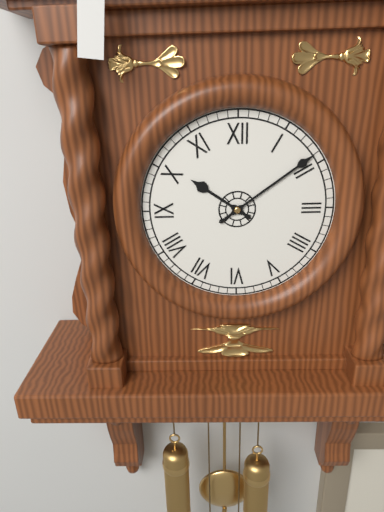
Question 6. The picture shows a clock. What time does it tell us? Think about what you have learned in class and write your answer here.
10:09
